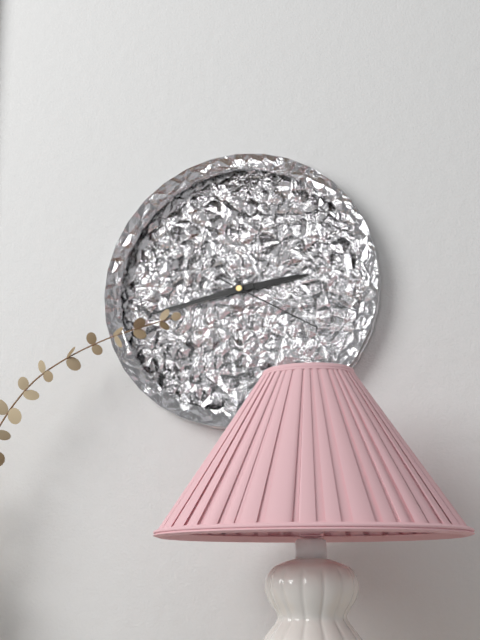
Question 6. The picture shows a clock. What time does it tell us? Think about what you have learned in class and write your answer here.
2:43:20
